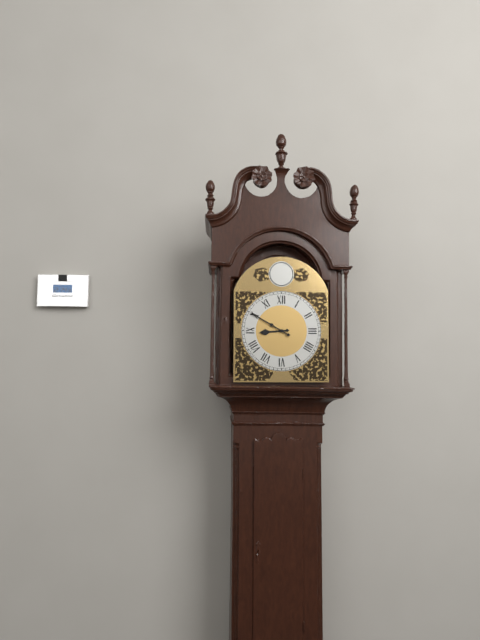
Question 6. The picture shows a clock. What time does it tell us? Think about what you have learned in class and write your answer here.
8:50
